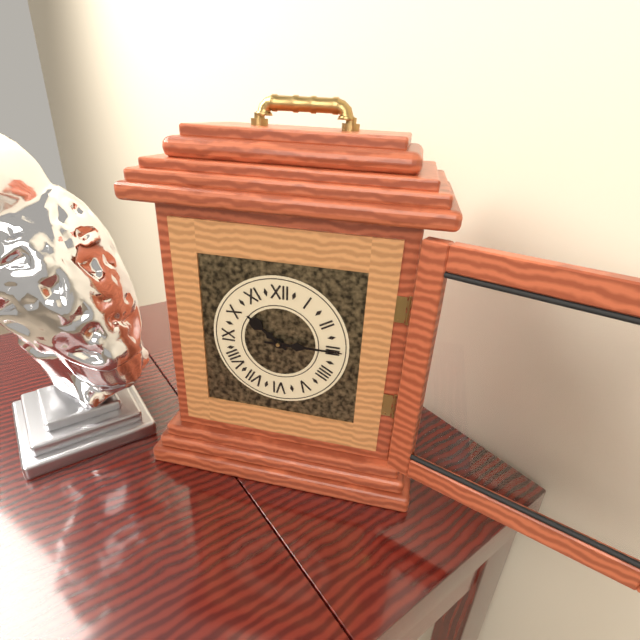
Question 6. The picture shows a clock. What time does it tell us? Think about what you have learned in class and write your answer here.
10:15
